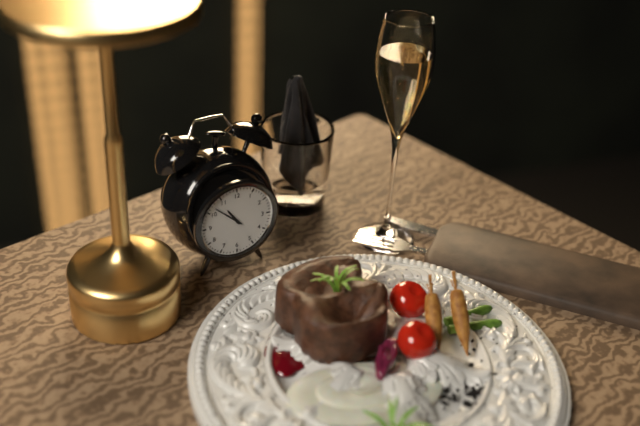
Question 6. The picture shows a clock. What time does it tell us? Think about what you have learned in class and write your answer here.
10:52
